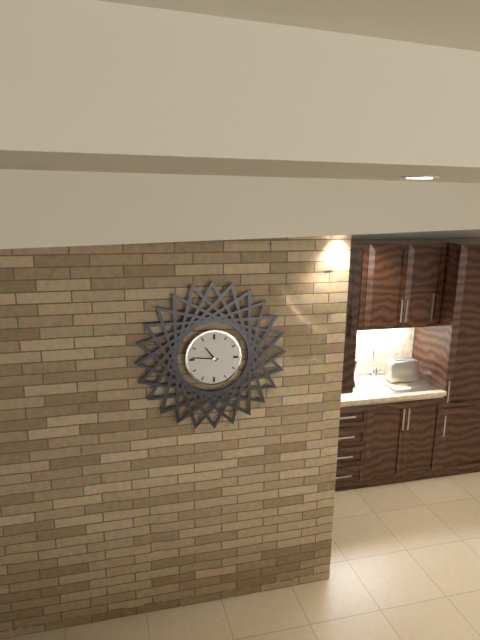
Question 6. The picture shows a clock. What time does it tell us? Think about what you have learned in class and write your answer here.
10:46
